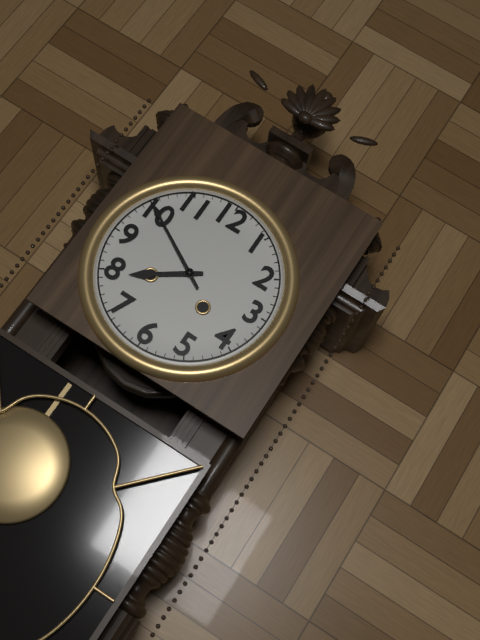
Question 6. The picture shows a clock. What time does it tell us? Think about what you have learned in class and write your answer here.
7:50
